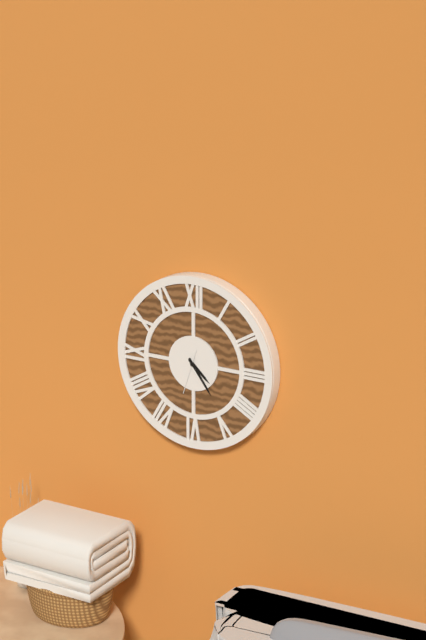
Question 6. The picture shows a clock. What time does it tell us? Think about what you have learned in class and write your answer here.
4:24
